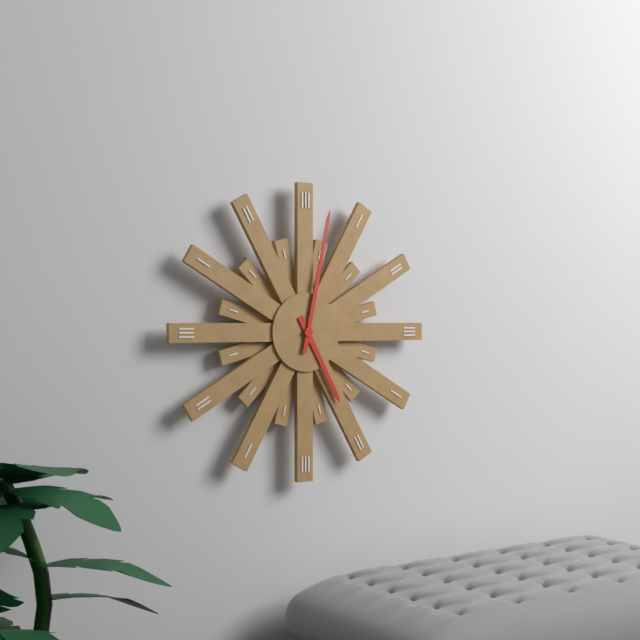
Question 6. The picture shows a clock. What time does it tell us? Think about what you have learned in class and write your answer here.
5:02
